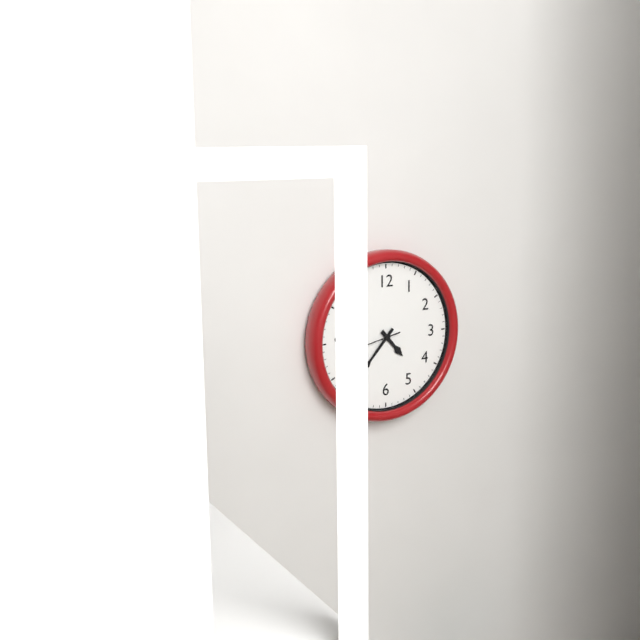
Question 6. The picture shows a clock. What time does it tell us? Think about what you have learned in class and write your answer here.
4:37
